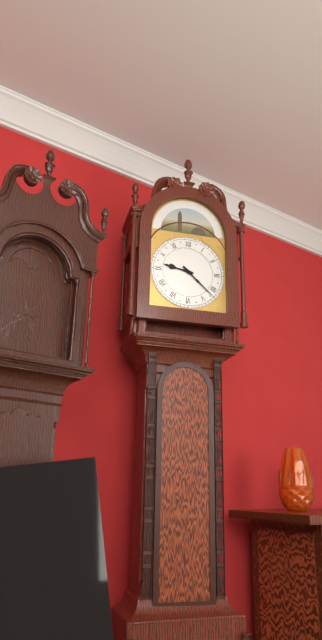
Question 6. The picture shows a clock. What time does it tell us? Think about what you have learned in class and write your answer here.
9:22
